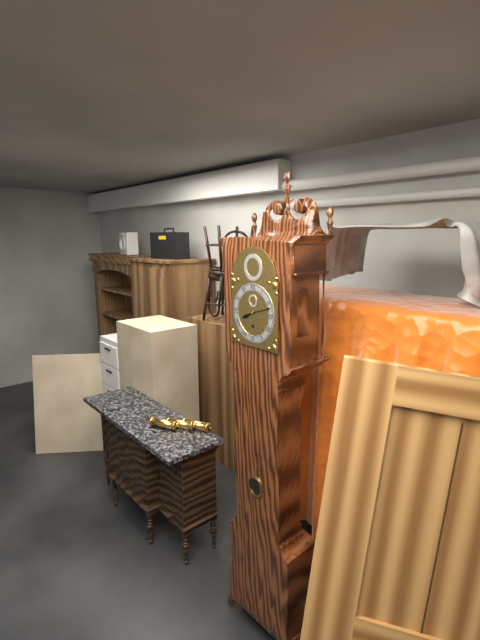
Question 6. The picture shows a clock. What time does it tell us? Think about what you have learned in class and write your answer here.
8:12
